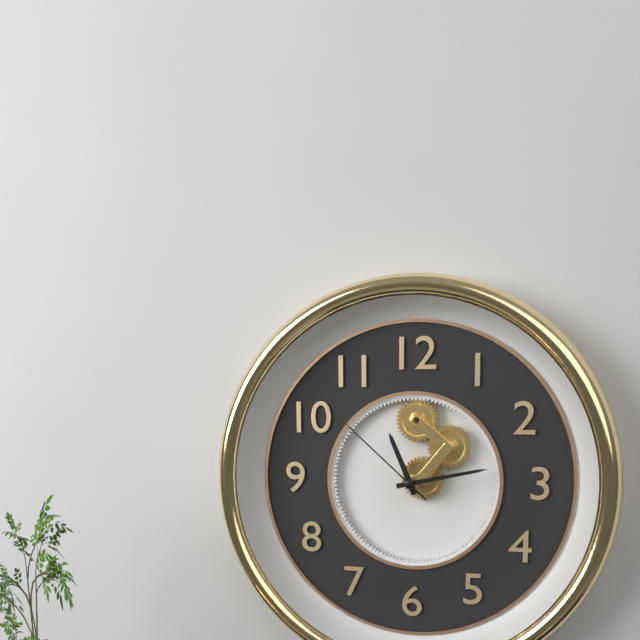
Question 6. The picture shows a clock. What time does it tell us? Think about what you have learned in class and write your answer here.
11:13:52
